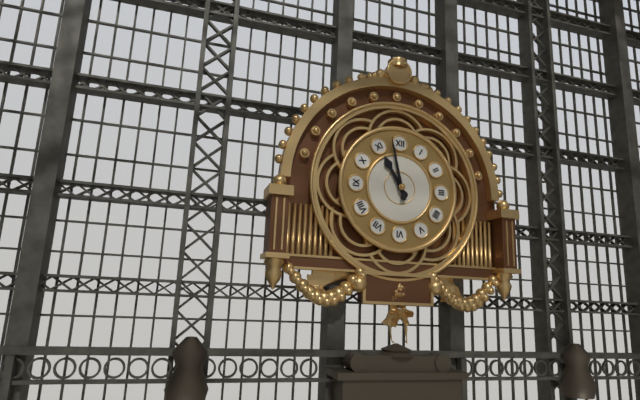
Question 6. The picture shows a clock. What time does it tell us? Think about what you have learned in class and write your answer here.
10:58
